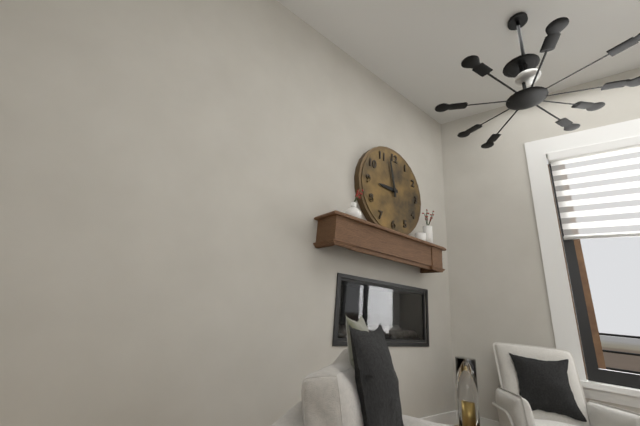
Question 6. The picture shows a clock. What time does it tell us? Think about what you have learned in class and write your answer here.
8:58
